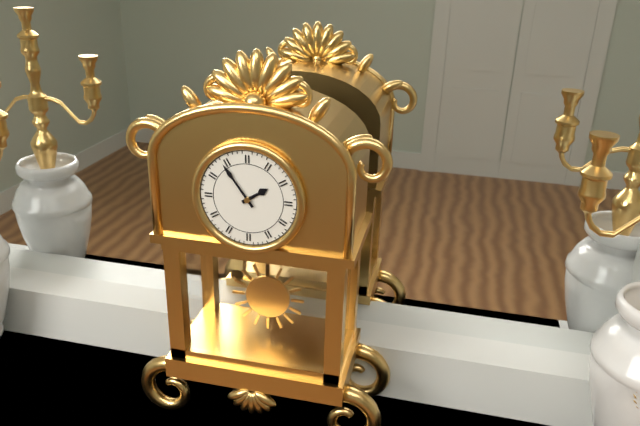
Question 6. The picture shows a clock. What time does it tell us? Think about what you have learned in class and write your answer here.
1:54
